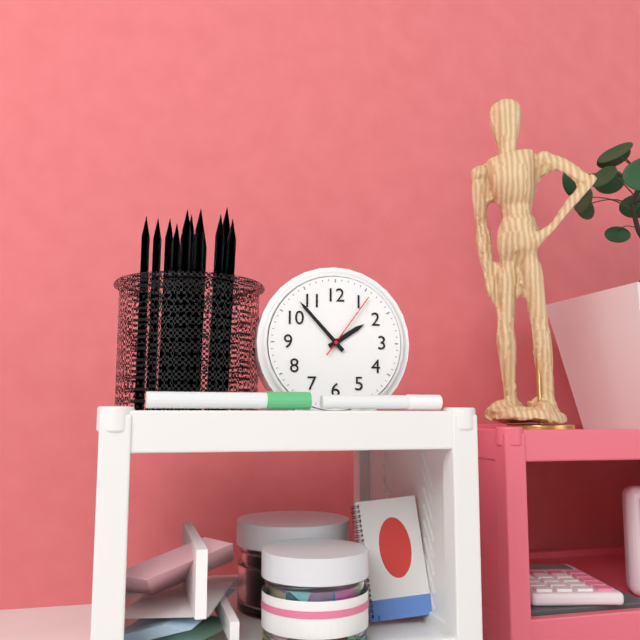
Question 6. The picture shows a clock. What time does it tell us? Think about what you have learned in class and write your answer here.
1:53:06
